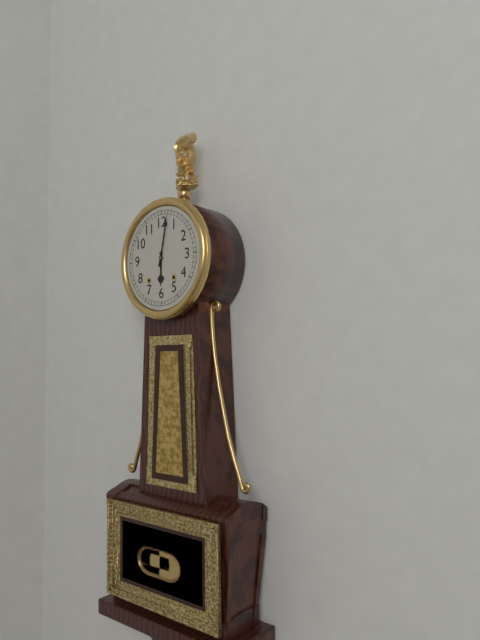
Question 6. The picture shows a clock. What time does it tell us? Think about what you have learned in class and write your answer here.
6:02
